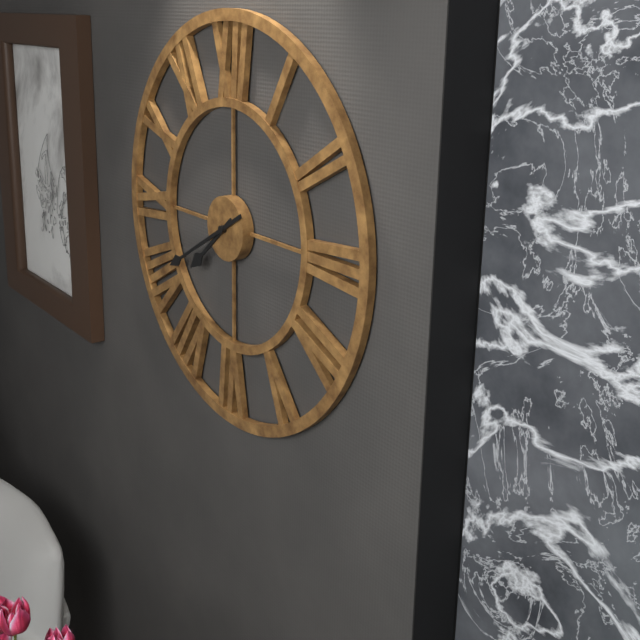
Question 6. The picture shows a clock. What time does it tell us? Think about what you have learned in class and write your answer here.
7:40
